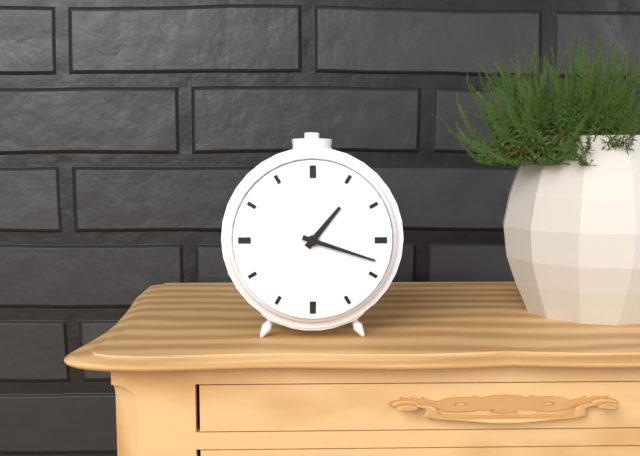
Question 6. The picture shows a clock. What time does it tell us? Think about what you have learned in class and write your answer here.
1:18
